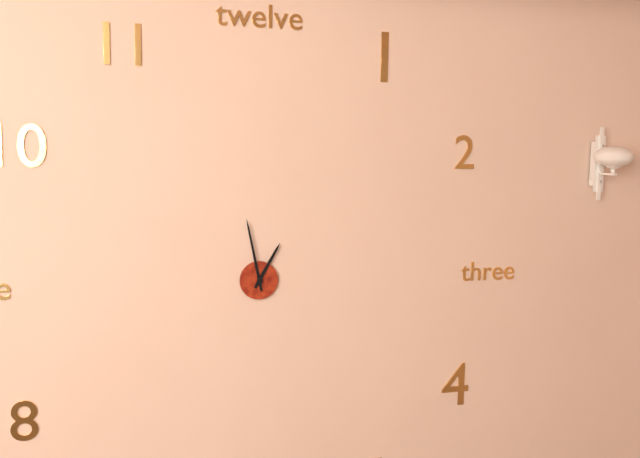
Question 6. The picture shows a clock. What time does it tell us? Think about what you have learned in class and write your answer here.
12:58
